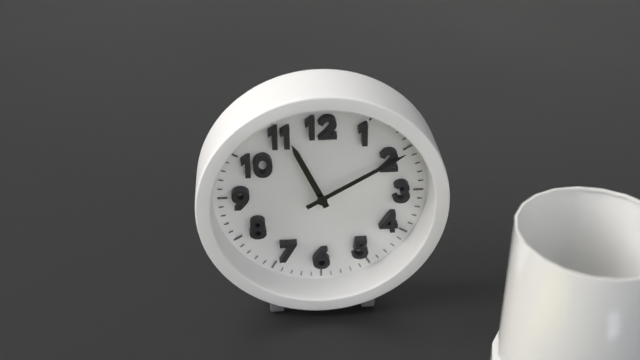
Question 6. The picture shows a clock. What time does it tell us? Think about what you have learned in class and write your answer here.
11:10
